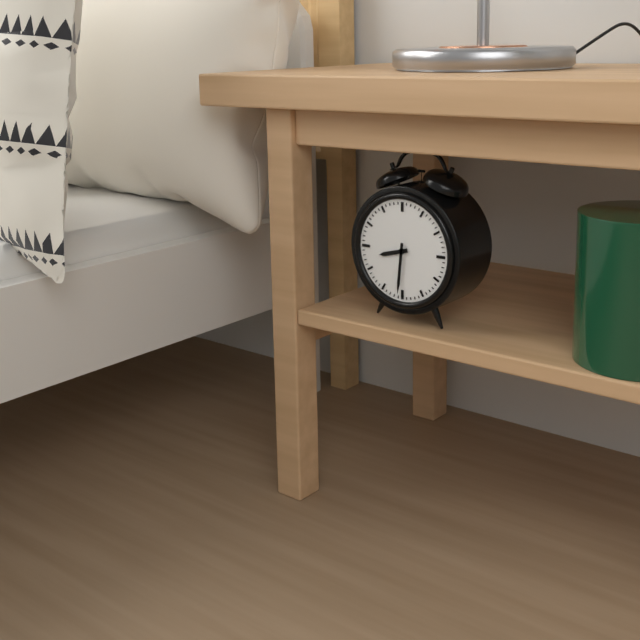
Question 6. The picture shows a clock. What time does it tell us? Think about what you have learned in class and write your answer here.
8:31
